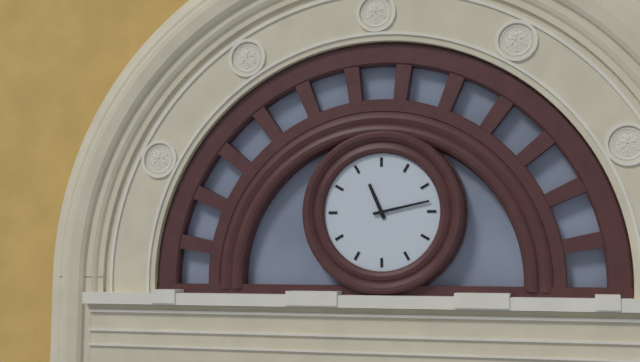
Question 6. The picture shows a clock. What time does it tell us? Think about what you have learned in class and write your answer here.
11:13
